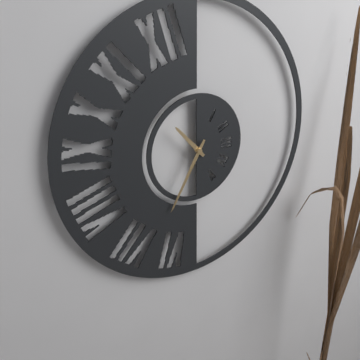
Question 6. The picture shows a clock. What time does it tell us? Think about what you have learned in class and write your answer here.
10:35
